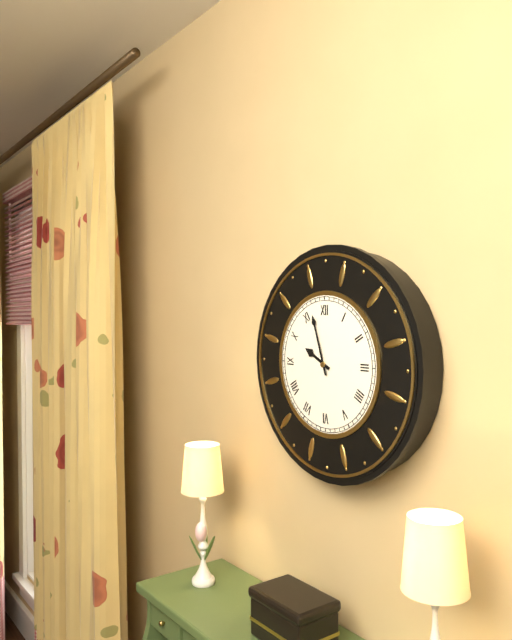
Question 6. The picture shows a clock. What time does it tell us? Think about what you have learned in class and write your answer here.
9:57
